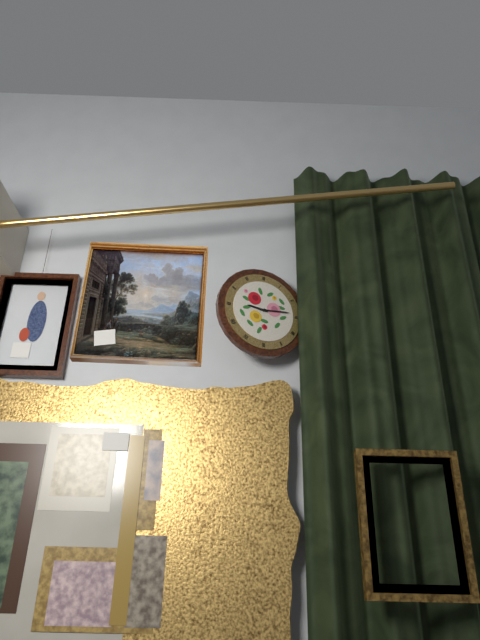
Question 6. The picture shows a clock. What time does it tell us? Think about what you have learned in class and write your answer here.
9:14
